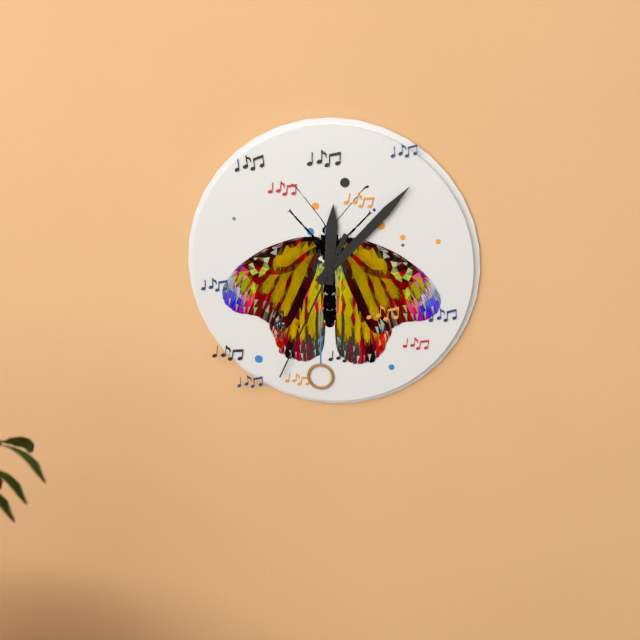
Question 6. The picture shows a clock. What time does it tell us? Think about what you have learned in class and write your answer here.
12:07:34
